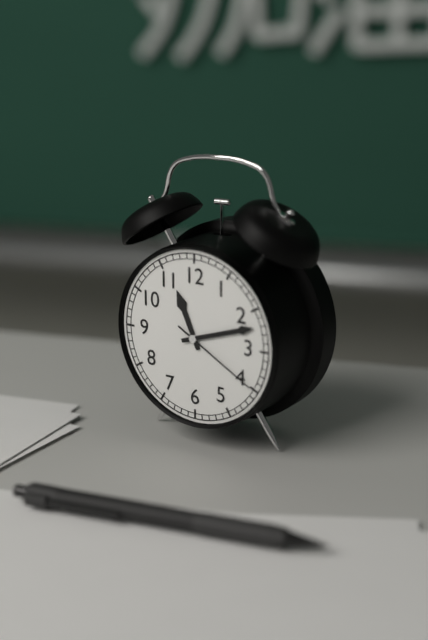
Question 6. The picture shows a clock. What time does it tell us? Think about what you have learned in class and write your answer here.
11:12:20
